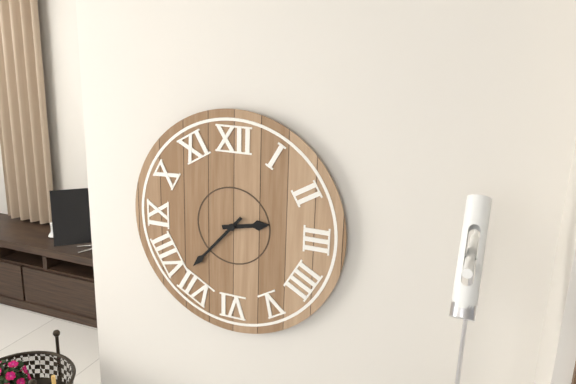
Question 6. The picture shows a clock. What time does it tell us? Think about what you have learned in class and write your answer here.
2:37
